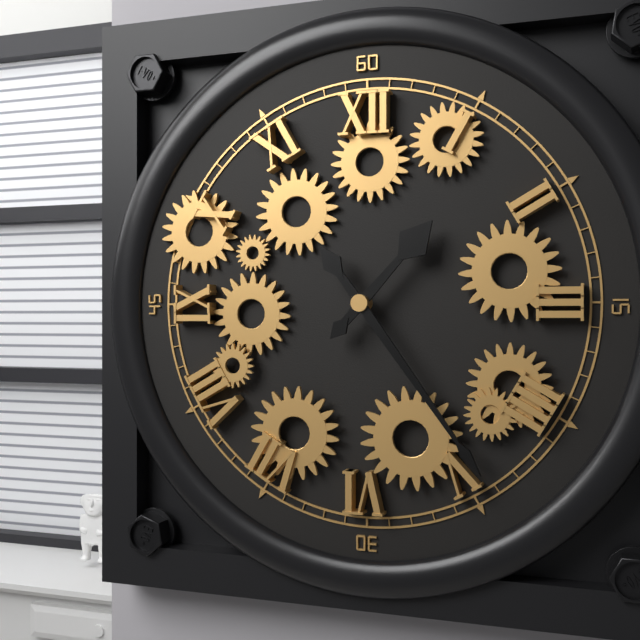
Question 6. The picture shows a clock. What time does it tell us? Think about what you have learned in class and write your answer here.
1:24
